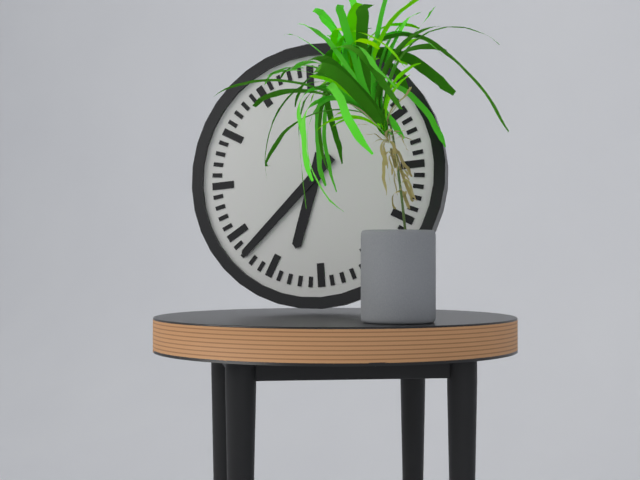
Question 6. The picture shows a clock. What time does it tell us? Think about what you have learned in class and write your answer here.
6:38
